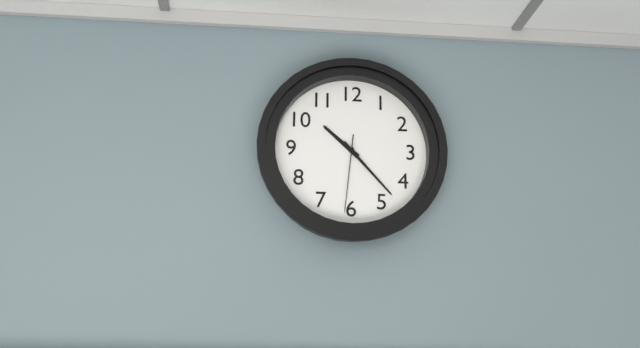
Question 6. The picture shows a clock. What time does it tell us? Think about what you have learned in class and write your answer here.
10:23:31
